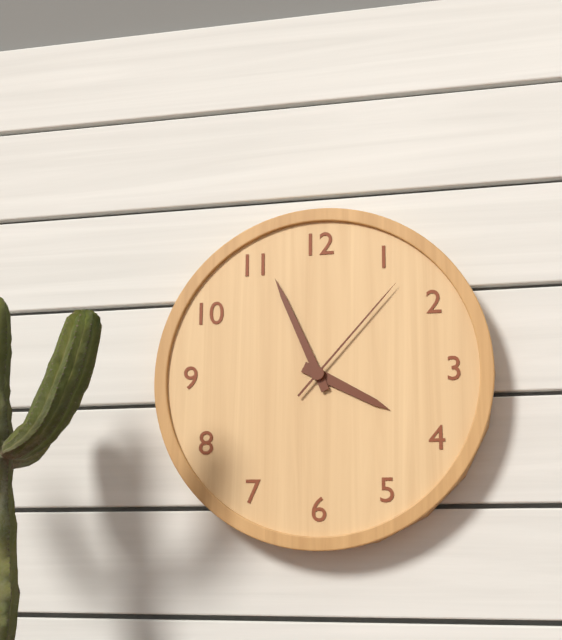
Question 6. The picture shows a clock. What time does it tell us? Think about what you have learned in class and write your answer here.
3:56:07
